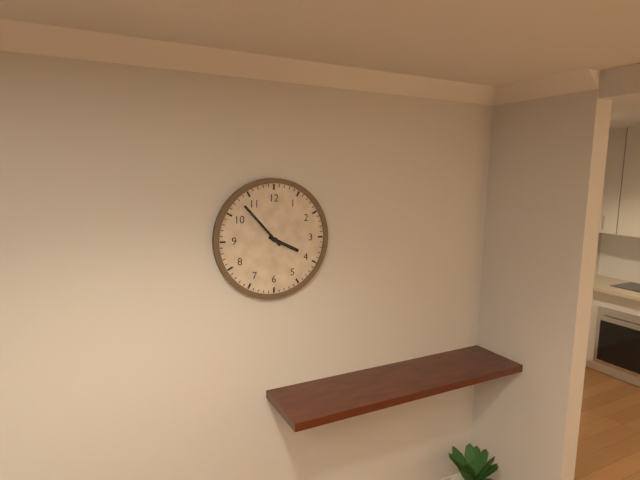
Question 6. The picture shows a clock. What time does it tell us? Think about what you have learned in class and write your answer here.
3:53
